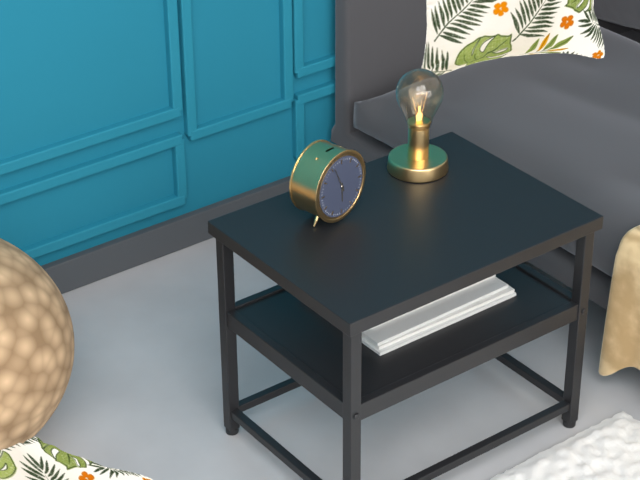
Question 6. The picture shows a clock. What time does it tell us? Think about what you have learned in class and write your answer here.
5:56
